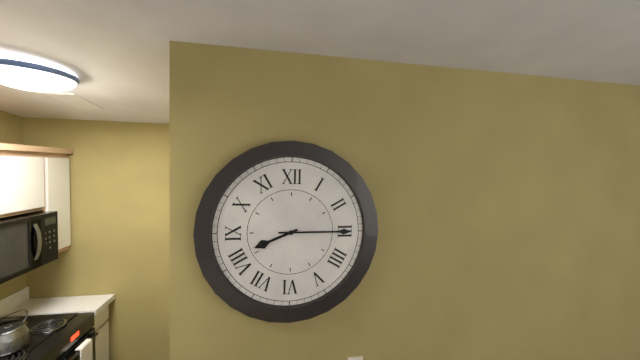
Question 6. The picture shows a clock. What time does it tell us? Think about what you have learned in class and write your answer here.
8:15
